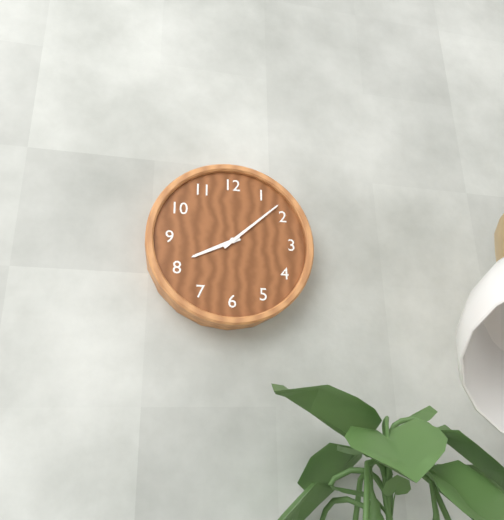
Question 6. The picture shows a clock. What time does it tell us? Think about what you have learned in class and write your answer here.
8:08
